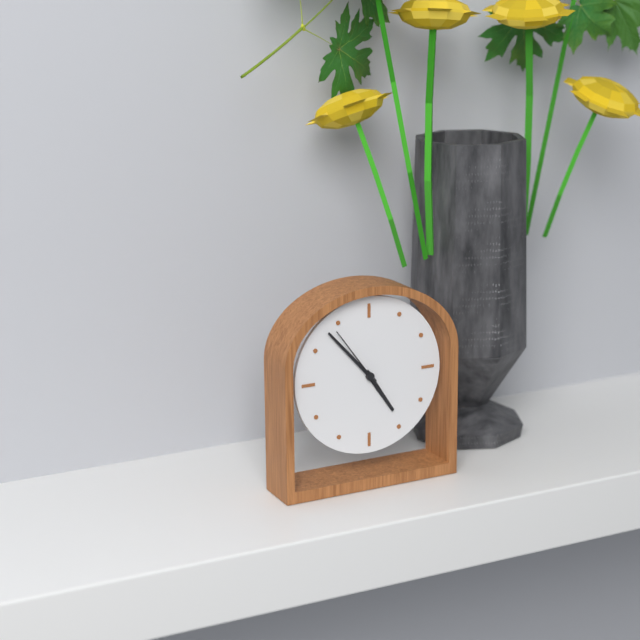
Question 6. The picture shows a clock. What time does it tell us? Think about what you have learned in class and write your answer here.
4:53:54
